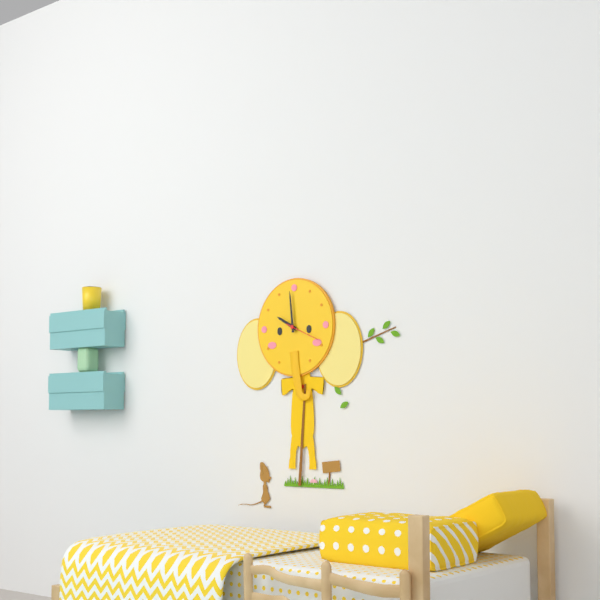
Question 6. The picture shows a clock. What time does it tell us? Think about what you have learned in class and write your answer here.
9:59
